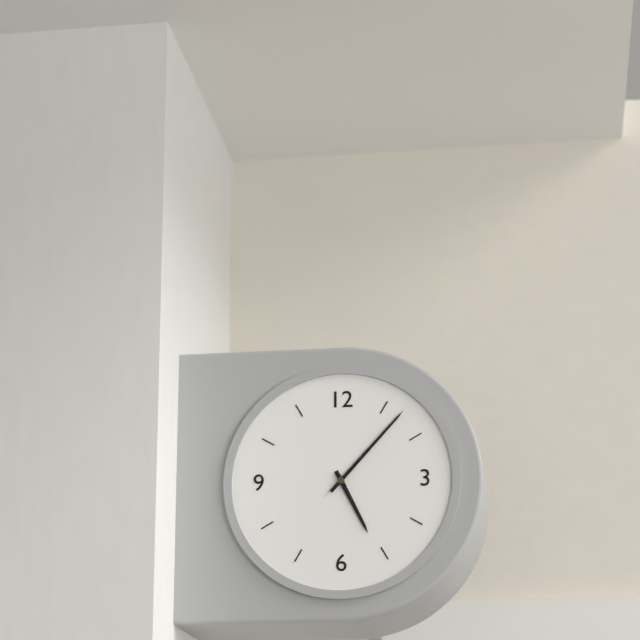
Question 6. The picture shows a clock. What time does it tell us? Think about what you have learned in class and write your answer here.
5:07
